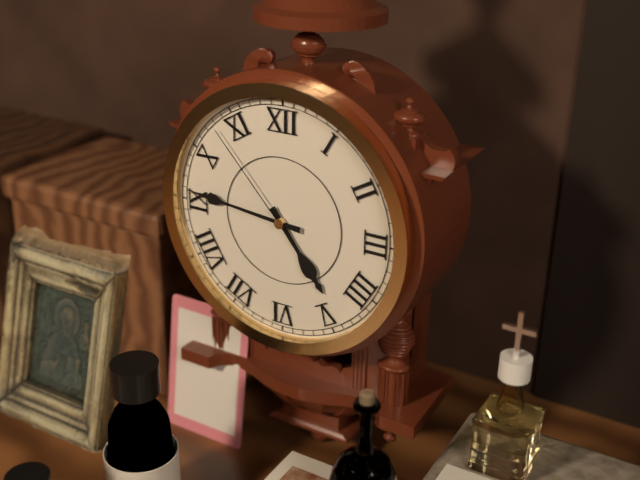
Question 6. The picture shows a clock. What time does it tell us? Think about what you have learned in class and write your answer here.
4:46:53
